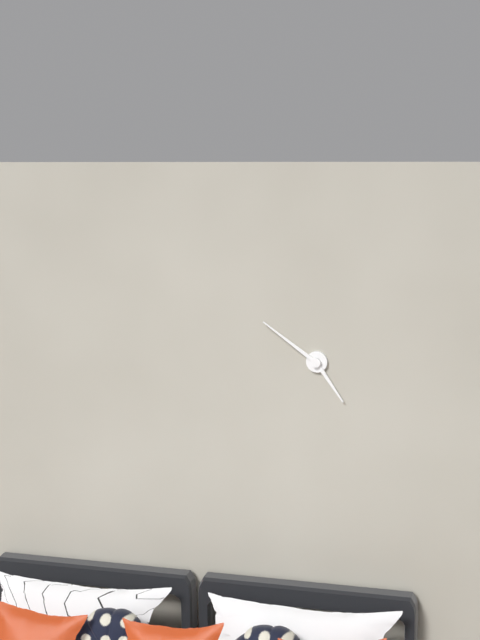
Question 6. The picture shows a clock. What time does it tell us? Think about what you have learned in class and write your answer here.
4:51
